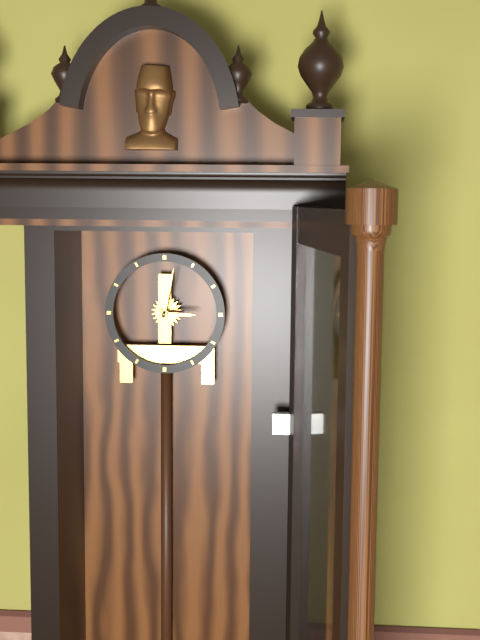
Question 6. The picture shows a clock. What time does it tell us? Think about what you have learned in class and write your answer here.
3:02
